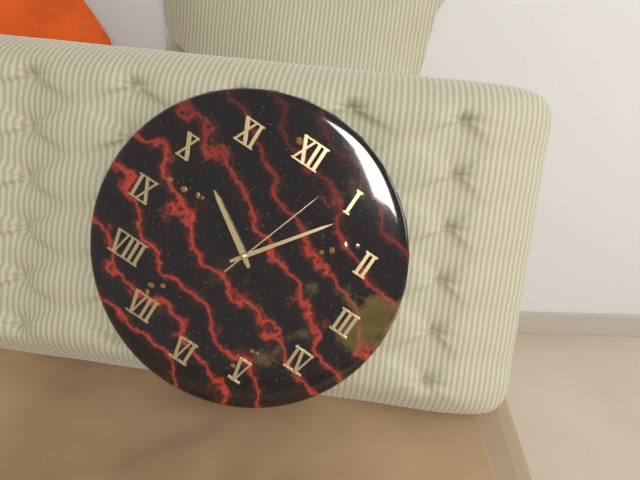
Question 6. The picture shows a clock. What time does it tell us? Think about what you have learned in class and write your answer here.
10:06:03
